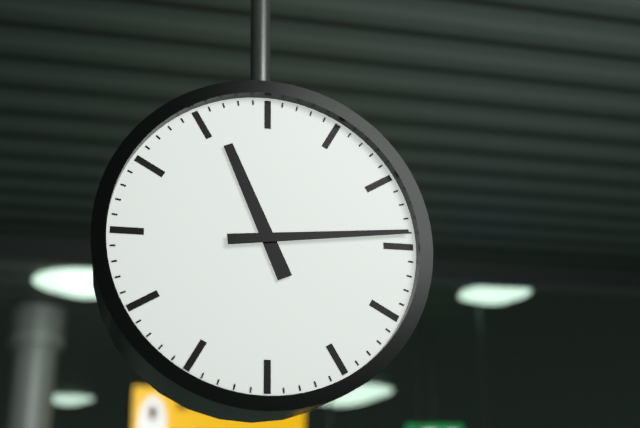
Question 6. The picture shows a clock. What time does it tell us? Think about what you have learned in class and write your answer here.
11:14
